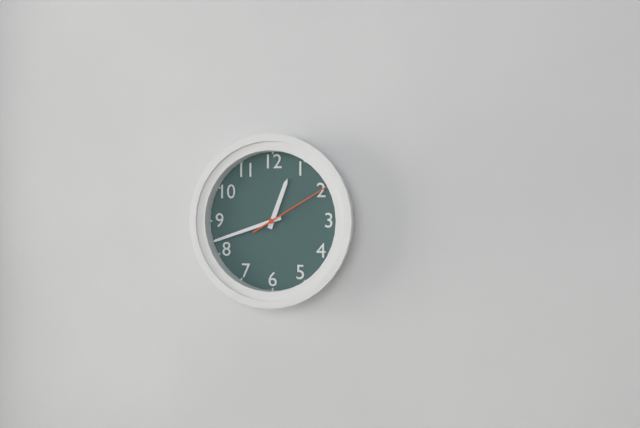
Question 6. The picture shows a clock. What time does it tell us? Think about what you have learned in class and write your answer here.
12:42:10
